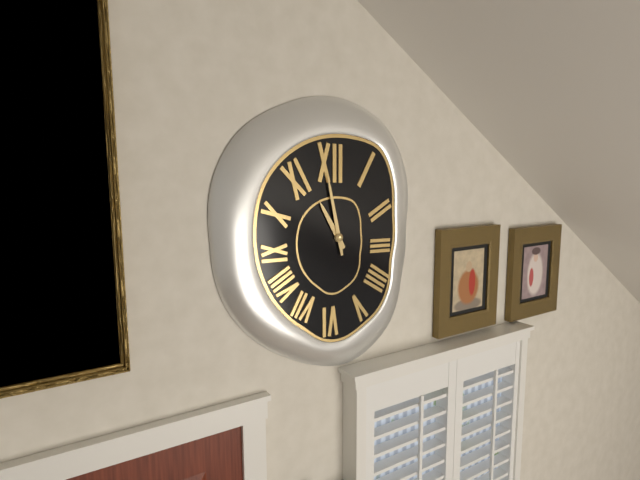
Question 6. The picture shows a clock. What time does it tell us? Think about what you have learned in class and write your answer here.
10:58
